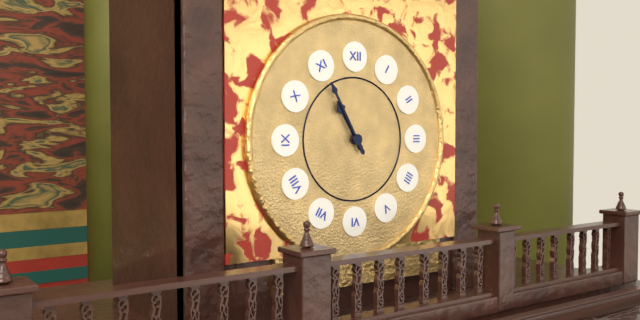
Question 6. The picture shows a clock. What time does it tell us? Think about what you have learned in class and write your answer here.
10:55
